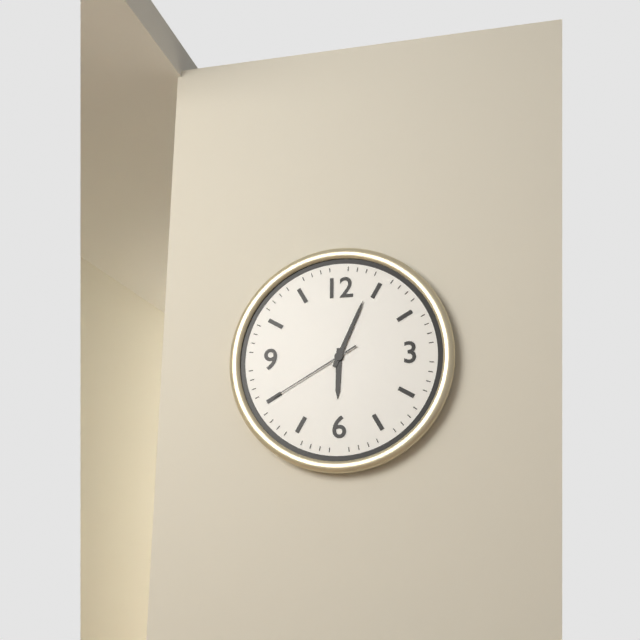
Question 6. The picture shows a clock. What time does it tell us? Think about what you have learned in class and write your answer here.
6:04:40
